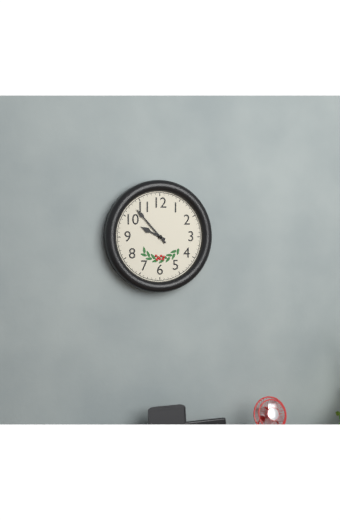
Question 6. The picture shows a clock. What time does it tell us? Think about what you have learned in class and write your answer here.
9:53
